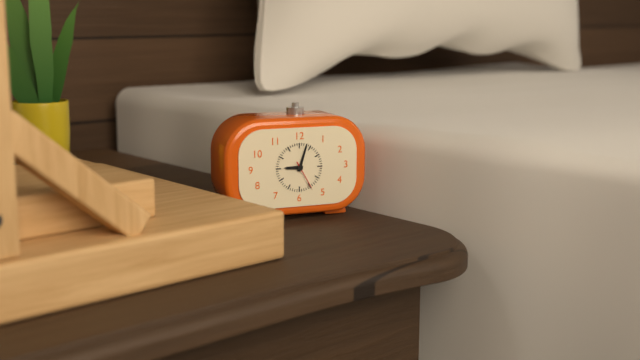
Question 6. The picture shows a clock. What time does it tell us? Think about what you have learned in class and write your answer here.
9:03
